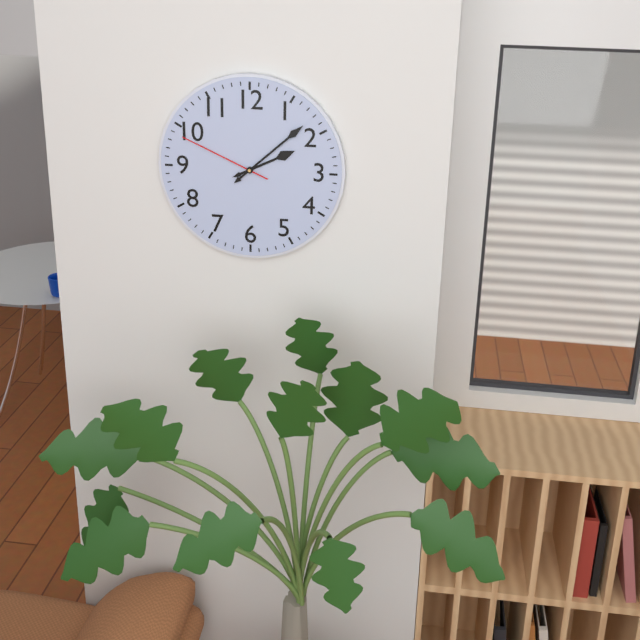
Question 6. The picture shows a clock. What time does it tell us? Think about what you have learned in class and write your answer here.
2:08:49
